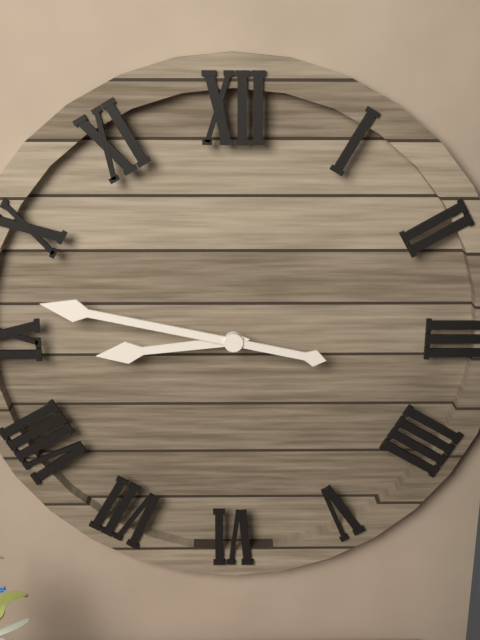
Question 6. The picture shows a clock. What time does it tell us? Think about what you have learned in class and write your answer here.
8:47
